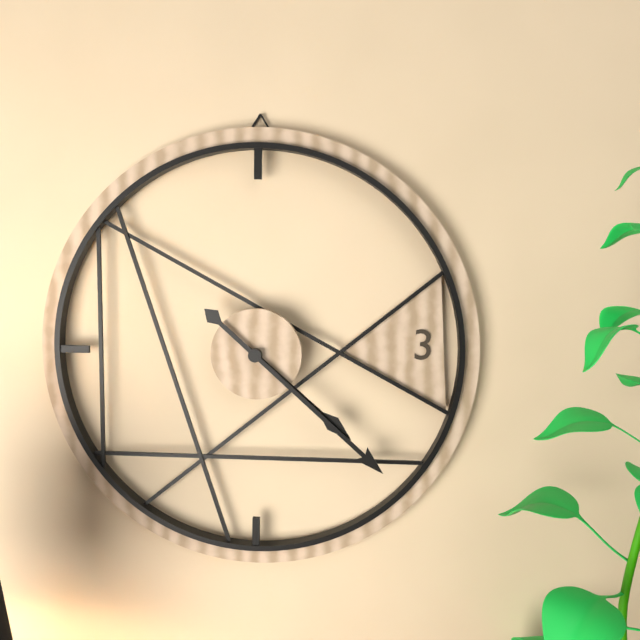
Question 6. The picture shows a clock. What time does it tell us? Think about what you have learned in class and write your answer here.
4:22
